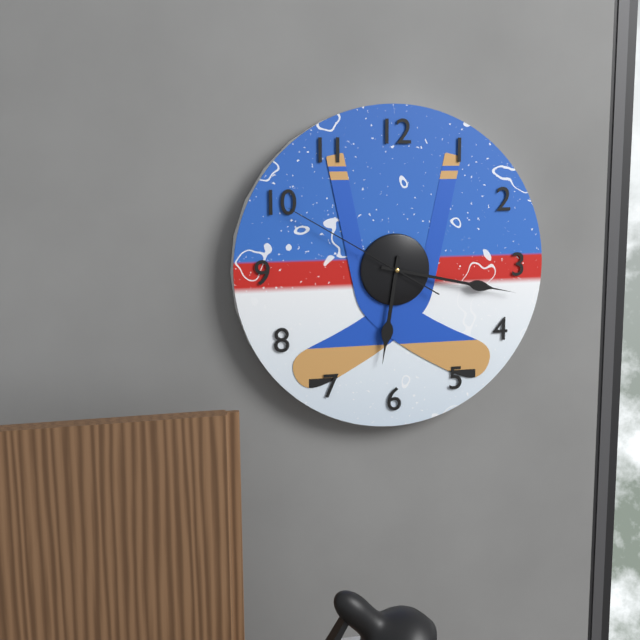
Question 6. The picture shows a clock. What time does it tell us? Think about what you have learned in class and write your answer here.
6:17:50
